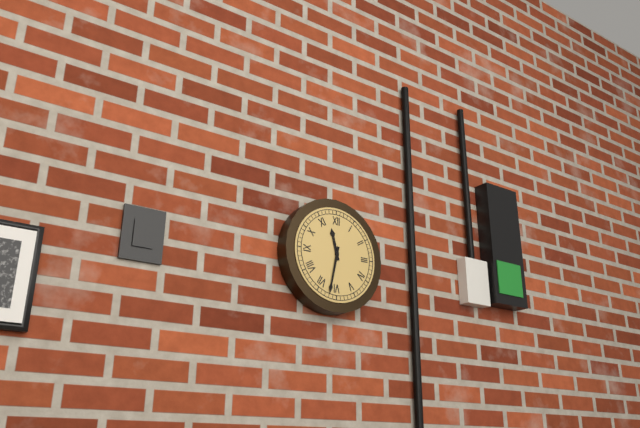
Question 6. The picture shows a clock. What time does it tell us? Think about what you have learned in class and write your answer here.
11:32
